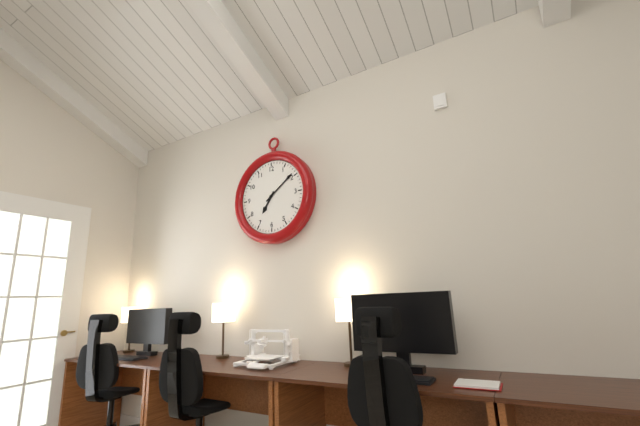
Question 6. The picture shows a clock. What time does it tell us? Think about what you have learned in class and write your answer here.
7:09
